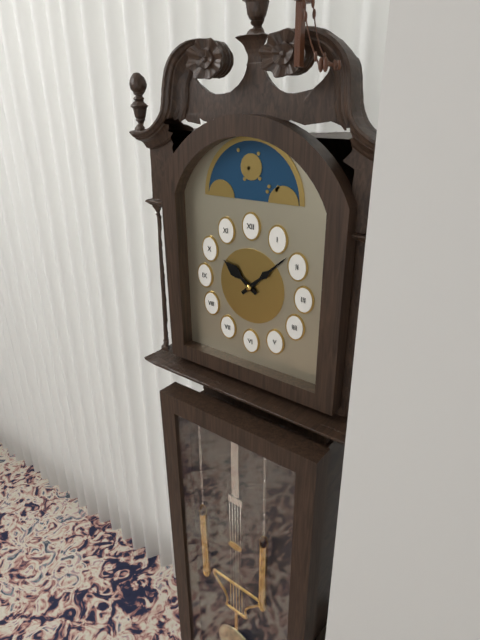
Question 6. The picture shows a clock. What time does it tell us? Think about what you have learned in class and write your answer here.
10:08
